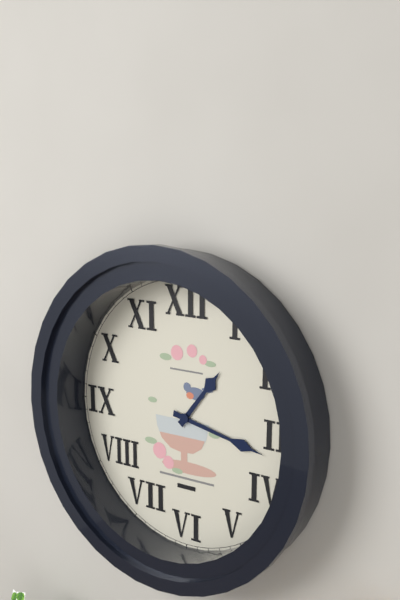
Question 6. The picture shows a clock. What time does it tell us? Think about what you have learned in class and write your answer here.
1:17
